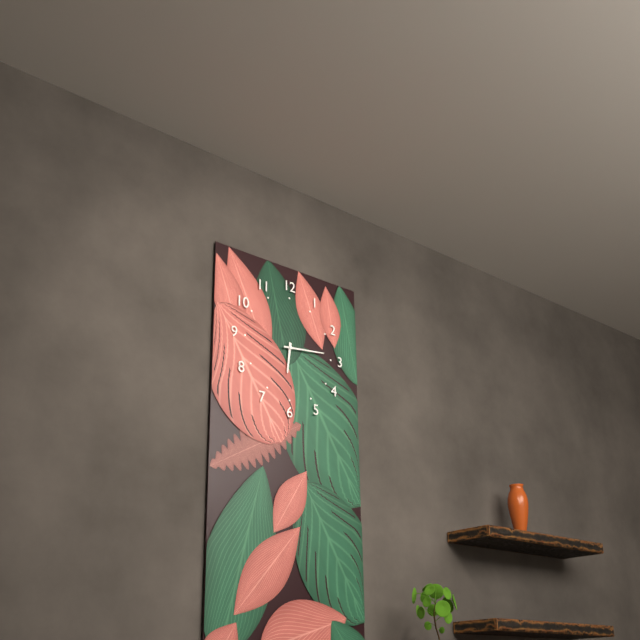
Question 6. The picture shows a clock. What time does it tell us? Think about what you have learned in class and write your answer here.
6:14
